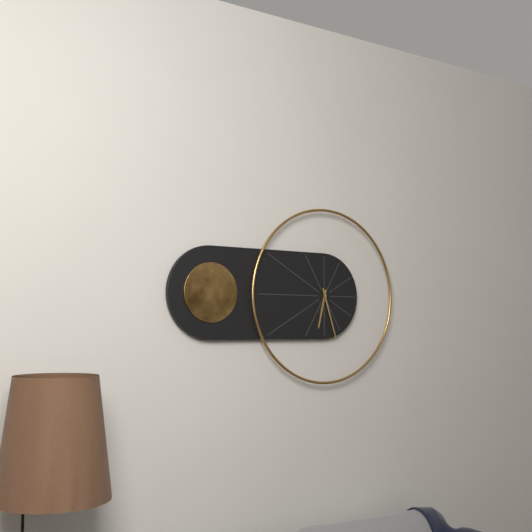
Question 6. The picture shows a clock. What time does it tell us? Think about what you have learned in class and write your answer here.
6:27
